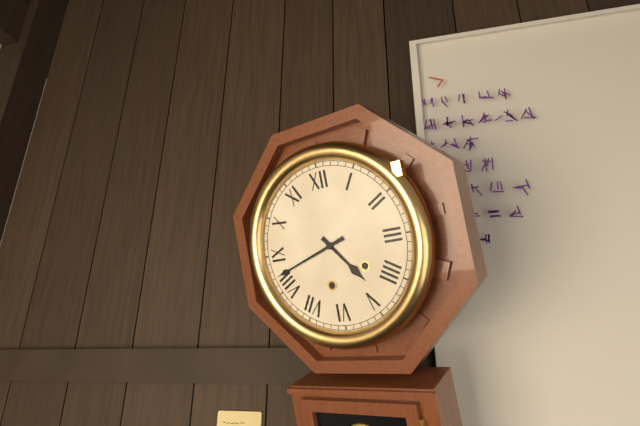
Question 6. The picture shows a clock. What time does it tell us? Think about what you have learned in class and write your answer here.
4:42
